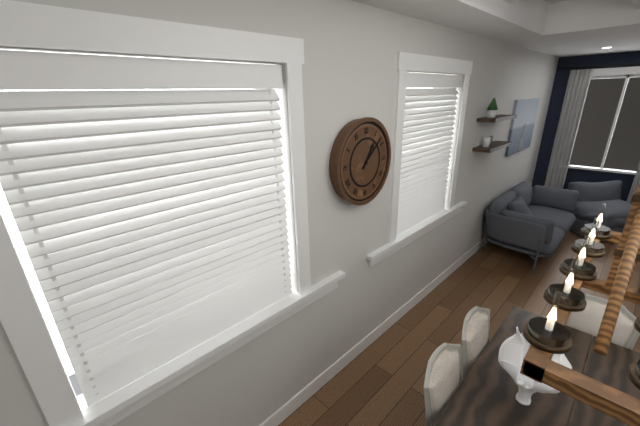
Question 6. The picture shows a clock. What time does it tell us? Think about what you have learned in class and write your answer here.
1:08
